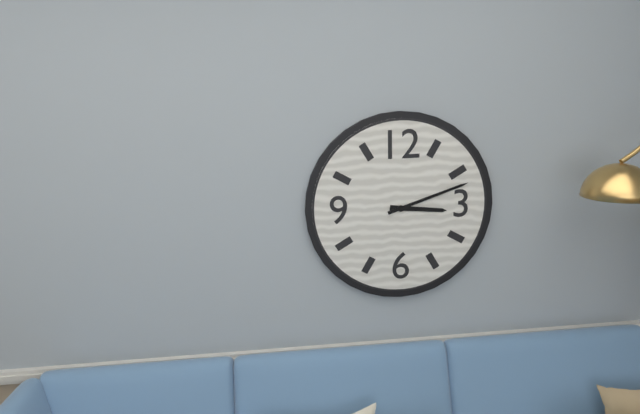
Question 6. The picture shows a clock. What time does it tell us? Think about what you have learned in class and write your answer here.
3:12
